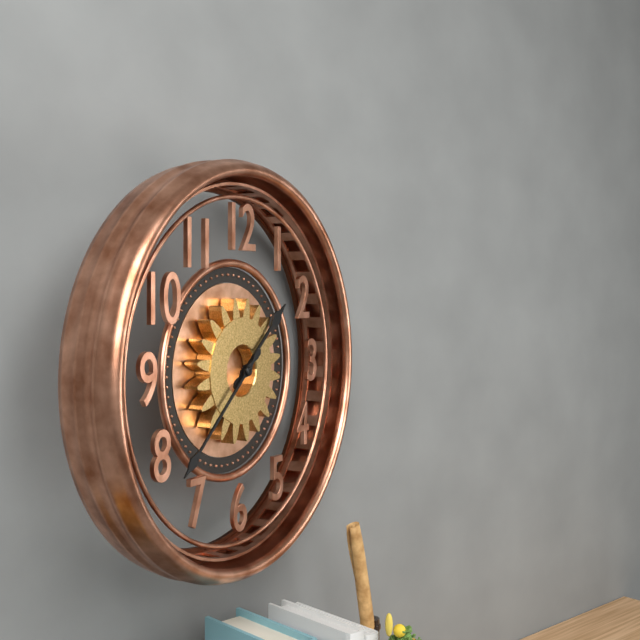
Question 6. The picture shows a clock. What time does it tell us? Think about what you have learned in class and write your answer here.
1:38
